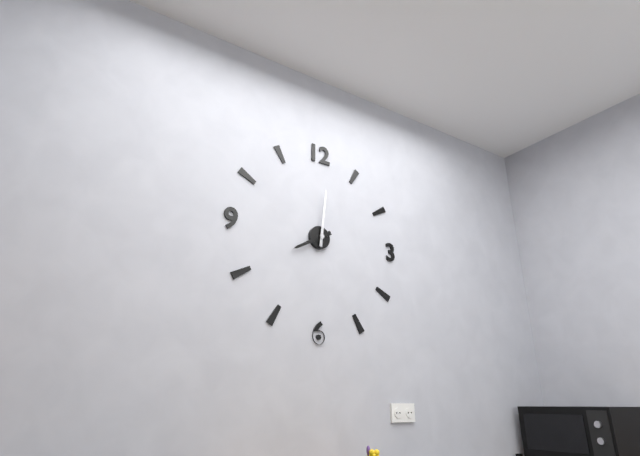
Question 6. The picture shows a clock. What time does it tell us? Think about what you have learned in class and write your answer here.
8:01
